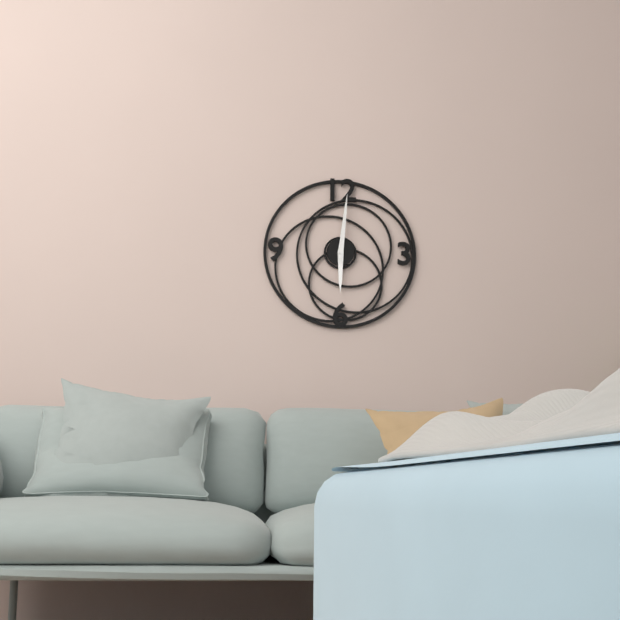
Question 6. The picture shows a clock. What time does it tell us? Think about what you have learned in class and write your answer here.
6:01
